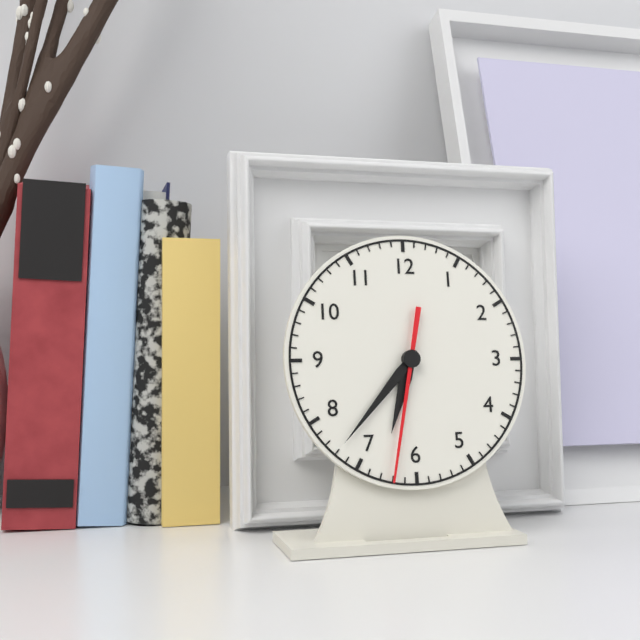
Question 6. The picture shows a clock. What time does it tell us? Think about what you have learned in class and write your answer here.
6:37:32
